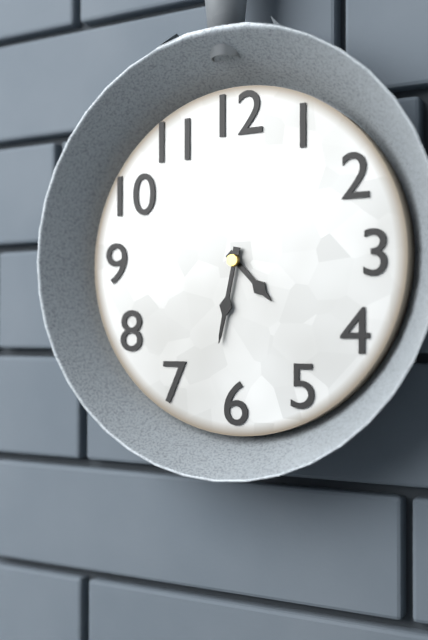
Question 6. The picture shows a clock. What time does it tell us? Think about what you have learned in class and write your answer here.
4:32
